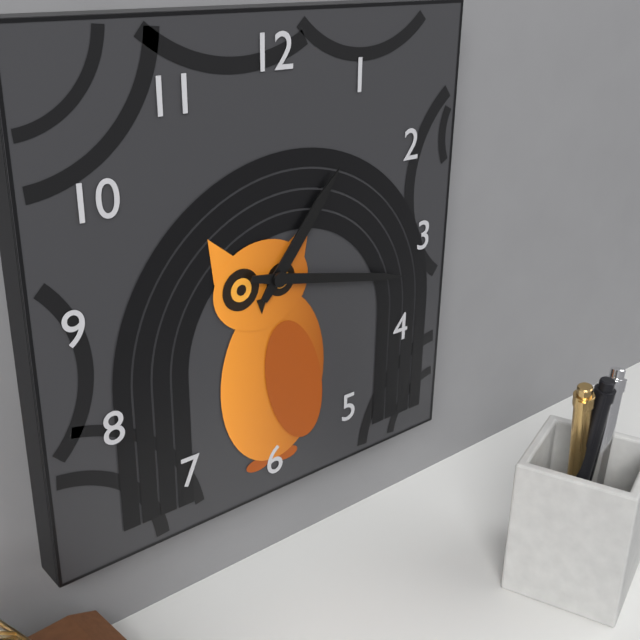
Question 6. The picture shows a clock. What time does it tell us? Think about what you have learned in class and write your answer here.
1:17
